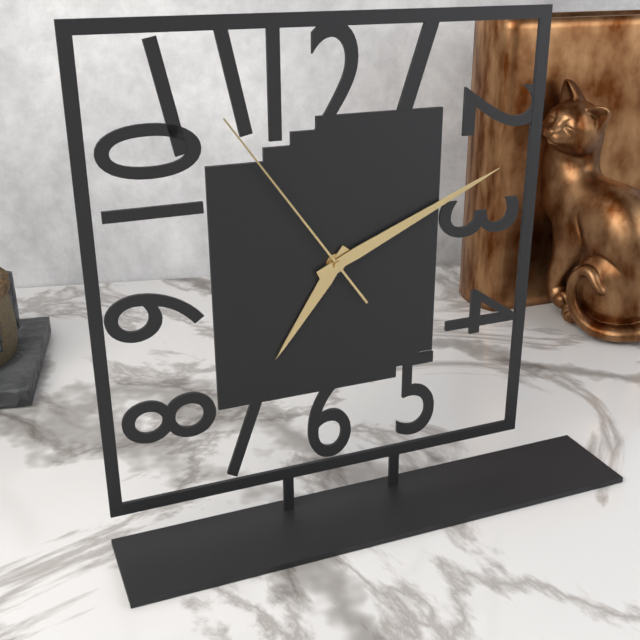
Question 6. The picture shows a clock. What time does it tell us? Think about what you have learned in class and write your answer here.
7:11:54
